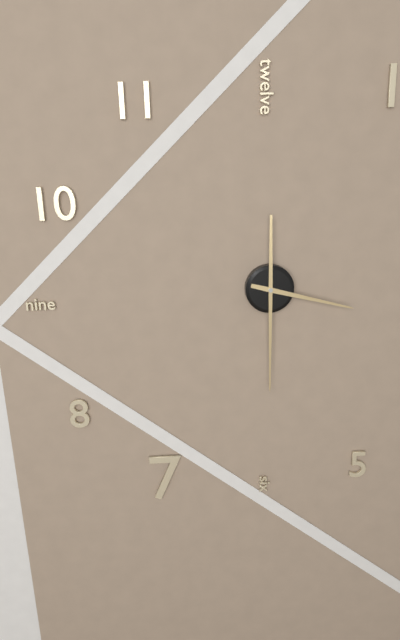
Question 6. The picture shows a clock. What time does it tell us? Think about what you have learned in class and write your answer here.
3:30
